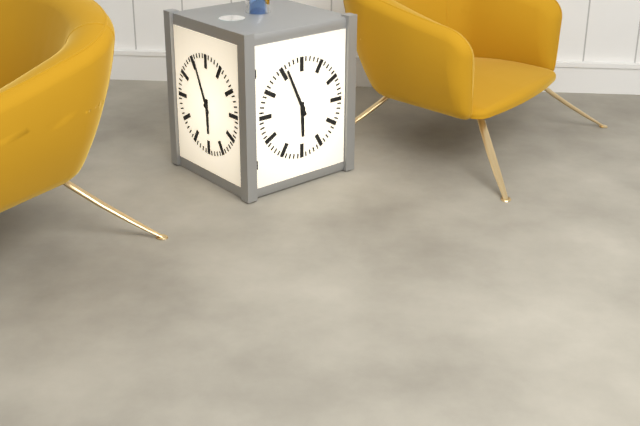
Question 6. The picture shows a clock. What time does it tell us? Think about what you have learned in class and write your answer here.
5:56
